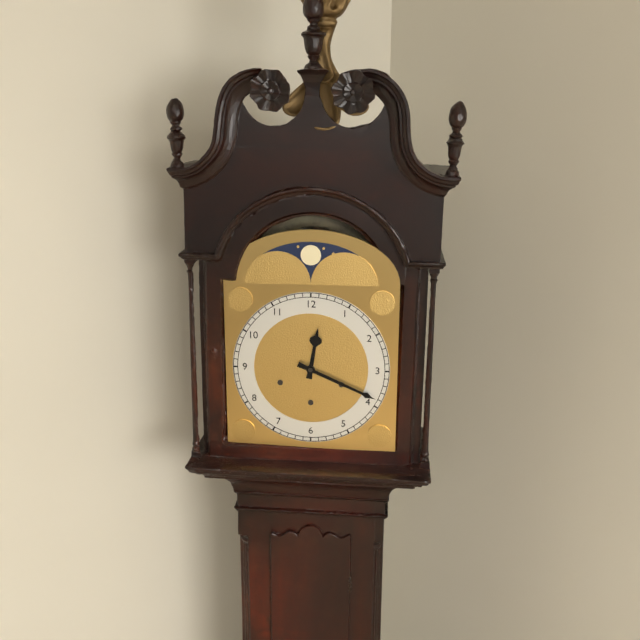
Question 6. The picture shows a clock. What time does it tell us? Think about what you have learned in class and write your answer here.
12:19
